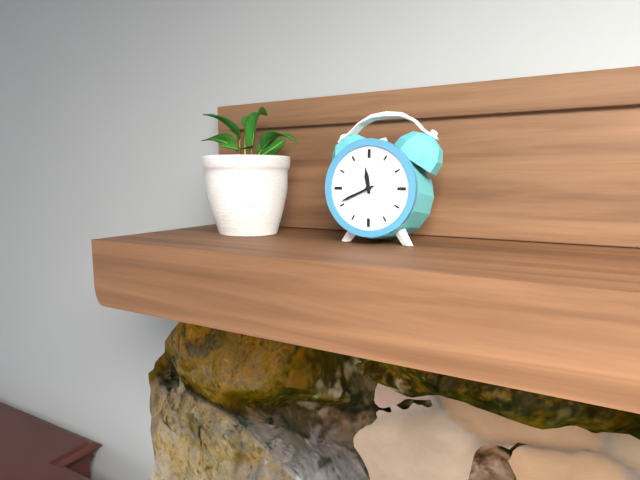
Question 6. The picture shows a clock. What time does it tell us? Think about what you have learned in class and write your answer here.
11:41
